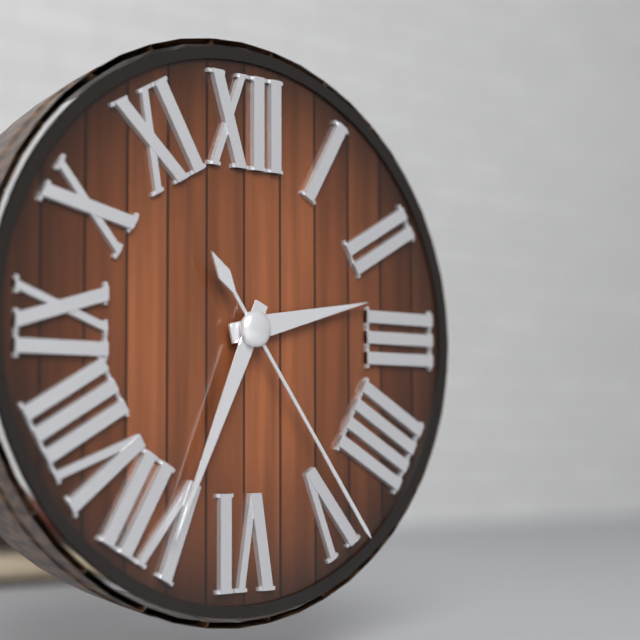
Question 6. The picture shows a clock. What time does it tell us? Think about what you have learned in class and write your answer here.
2:34:24
